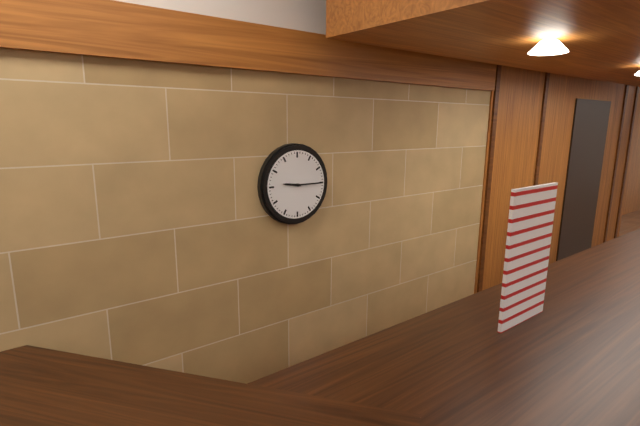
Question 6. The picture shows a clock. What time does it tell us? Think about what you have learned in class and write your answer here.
9:15
